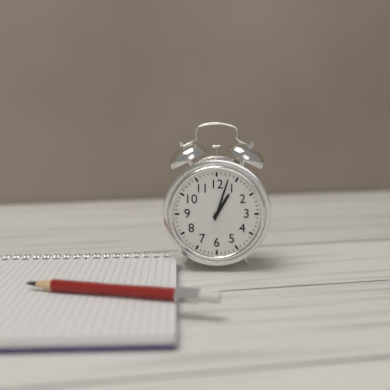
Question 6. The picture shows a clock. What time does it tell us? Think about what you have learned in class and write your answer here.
1:03
